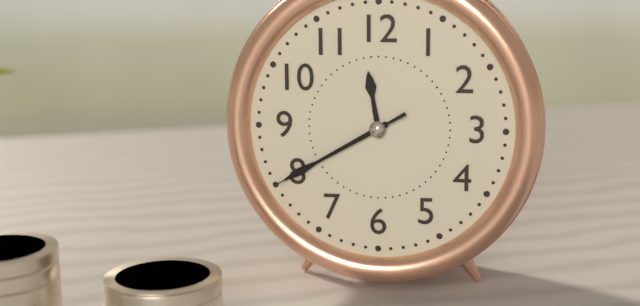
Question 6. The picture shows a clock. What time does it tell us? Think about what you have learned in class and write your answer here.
11:40:40
